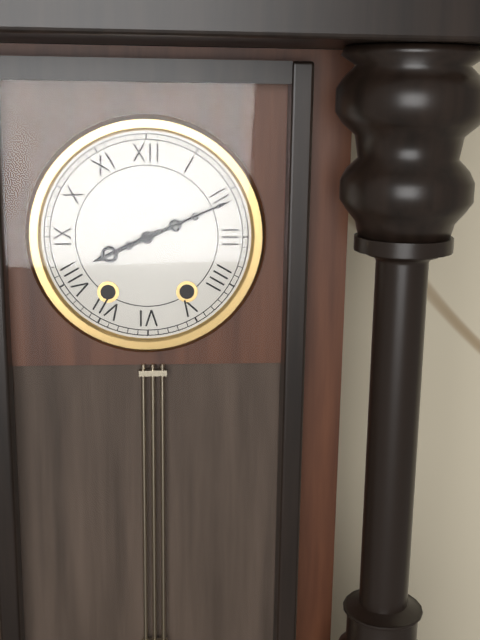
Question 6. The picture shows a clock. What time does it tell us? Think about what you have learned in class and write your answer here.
8:11
